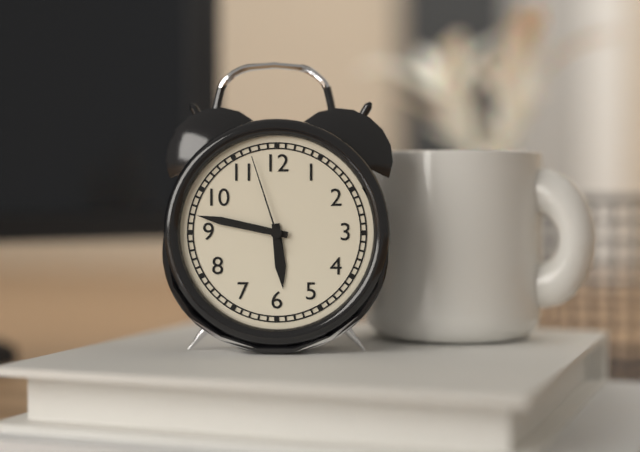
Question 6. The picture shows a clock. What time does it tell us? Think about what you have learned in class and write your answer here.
5:47:57
